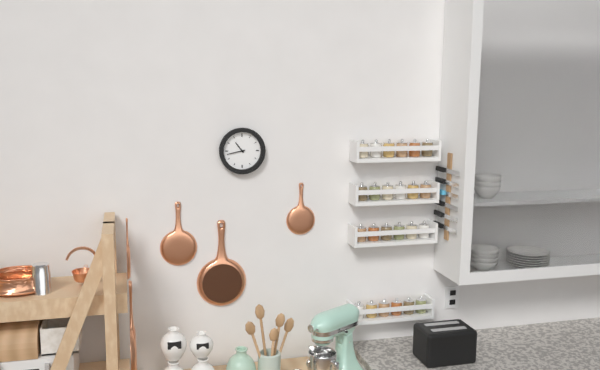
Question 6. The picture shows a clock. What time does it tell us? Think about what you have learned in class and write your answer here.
10:43
